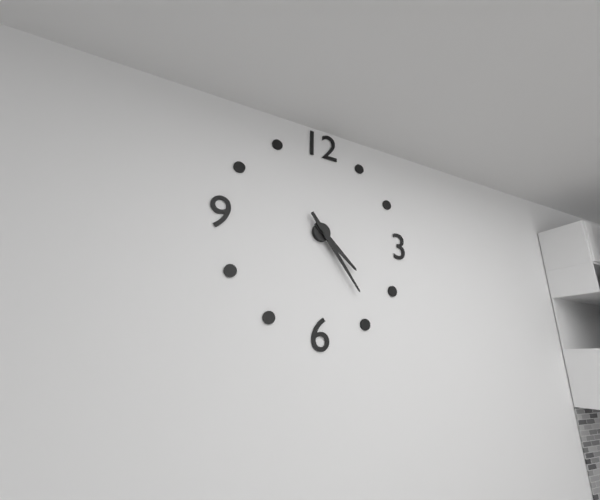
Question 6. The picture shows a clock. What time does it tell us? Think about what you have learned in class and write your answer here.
4:24
